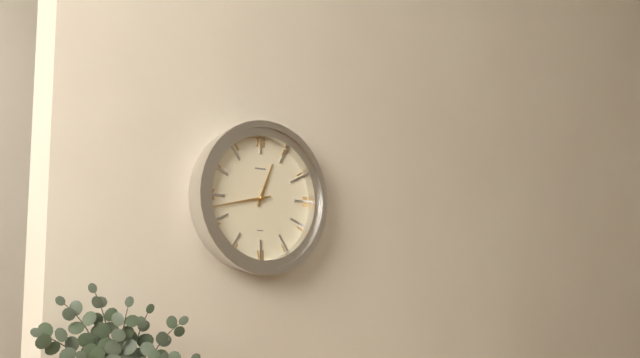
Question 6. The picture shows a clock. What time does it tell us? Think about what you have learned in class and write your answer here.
12:43
